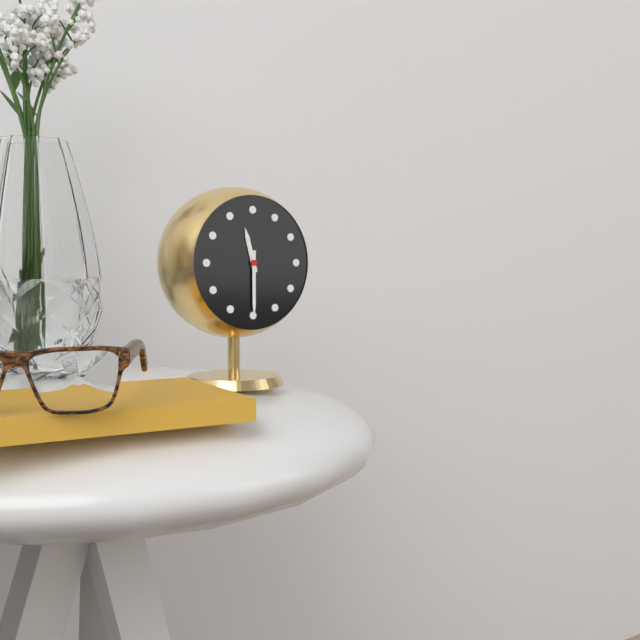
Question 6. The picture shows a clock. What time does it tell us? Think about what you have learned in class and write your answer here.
11:30
